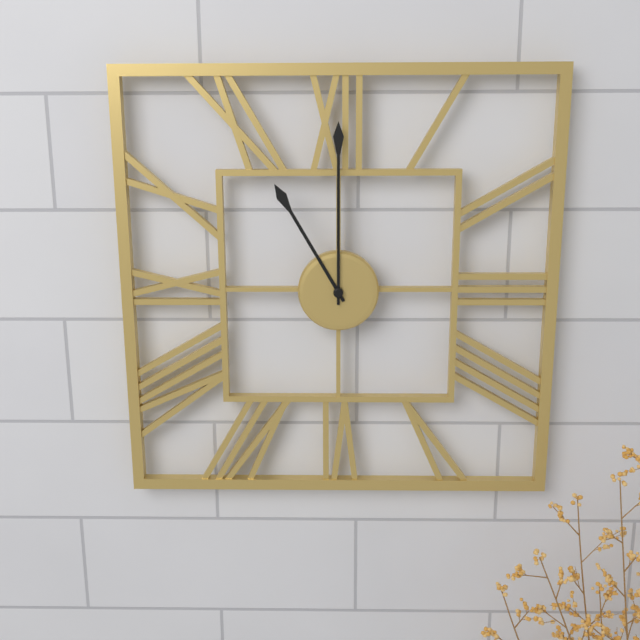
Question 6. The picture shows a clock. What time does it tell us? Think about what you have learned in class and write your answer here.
11:00
